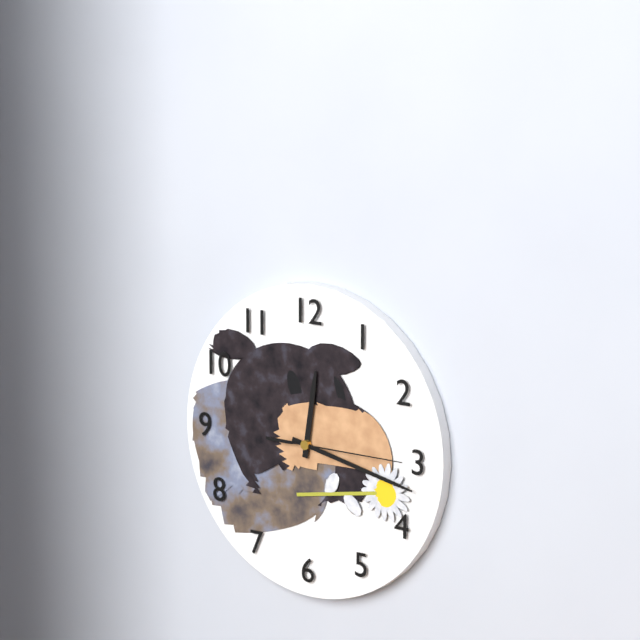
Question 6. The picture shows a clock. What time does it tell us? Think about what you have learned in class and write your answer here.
12:17:15
